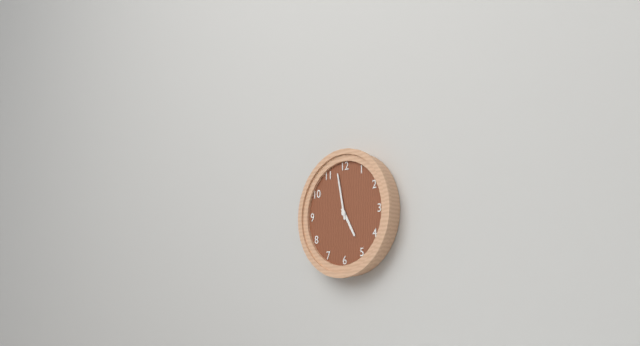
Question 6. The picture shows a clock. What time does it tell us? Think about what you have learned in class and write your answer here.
4:58
